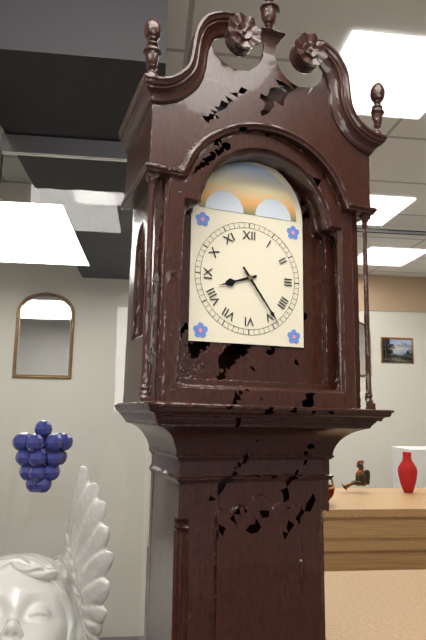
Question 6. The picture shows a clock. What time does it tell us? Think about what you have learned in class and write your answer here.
8:24
